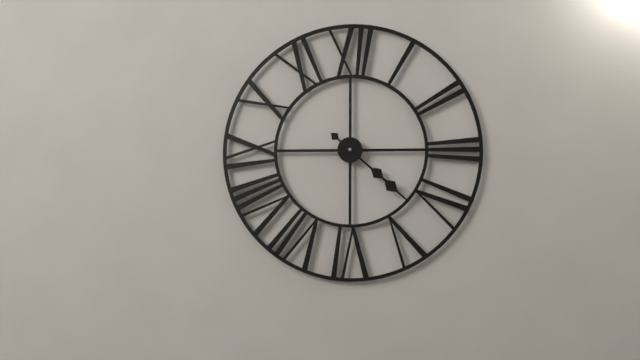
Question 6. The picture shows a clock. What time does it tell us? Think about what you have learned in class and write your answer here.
4:22
